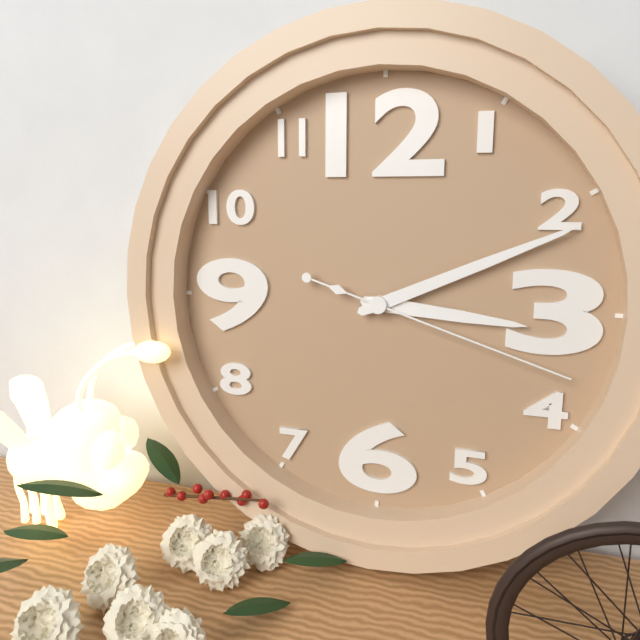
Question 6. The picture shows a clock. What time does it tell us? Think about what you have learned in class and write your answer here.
3:11:18
